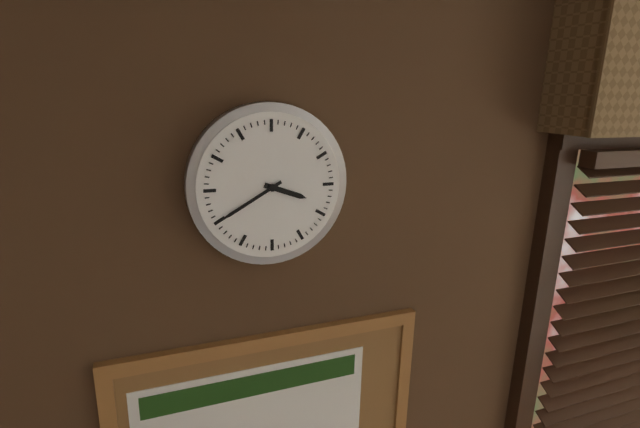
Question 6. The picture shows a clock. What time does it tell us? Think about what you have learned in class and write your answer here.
3:40
